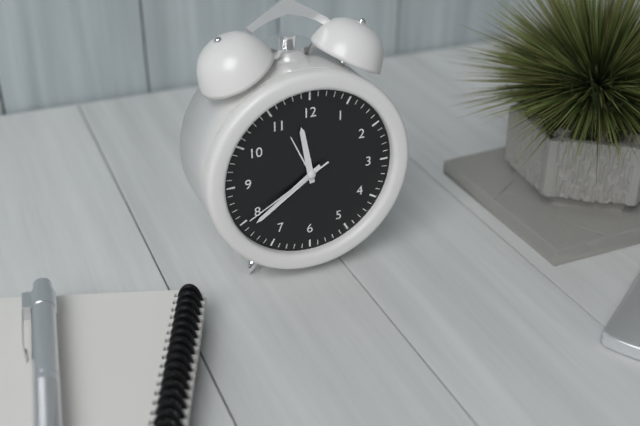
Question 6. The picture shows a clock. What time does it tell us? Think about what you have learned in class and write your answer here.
11:39:40
